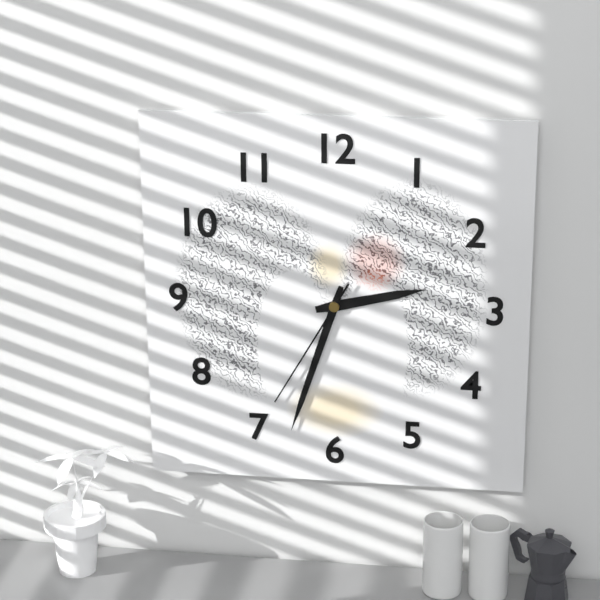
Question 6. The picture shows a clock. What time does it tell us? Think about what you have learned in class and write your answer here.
2:33:35
